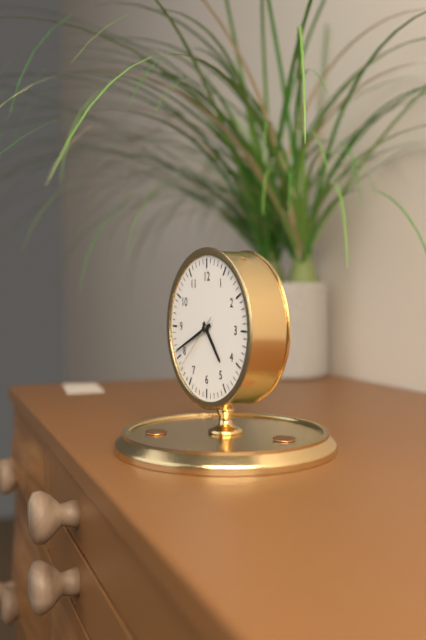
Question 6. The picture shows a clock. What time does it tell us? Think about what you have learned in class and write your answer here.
4:41:38
